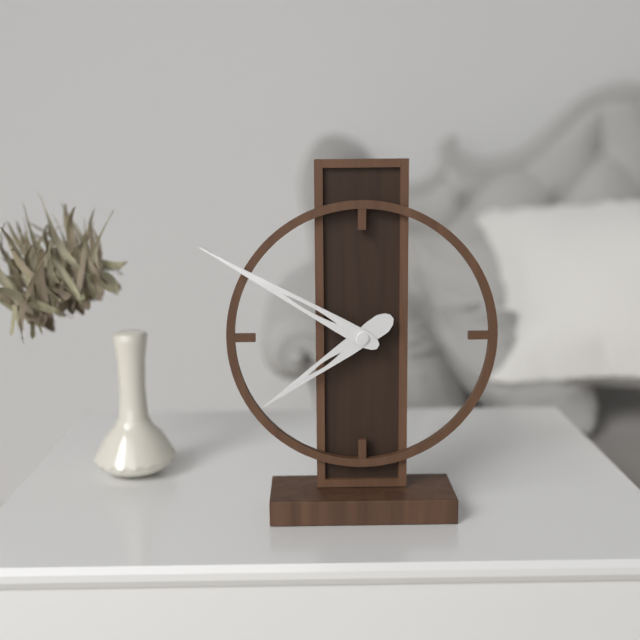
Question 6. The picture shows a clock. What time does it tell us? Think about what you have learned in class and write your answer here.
7:50
